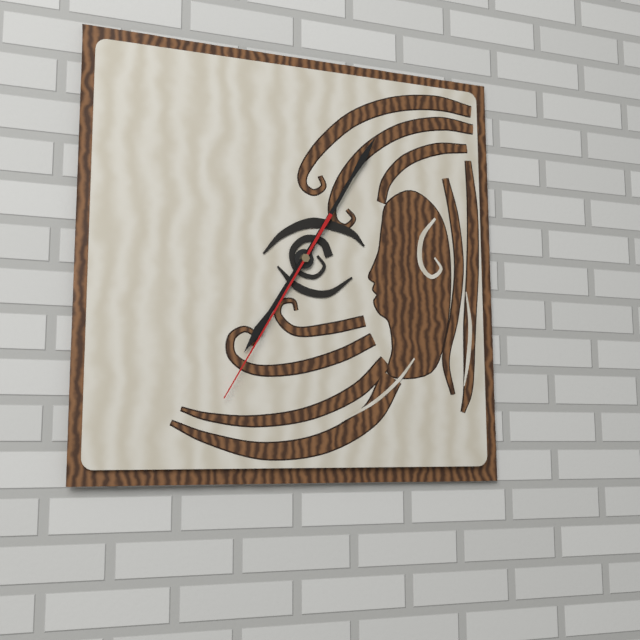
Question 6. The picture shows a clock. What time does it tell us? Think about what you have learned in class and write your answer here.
7:05:35
